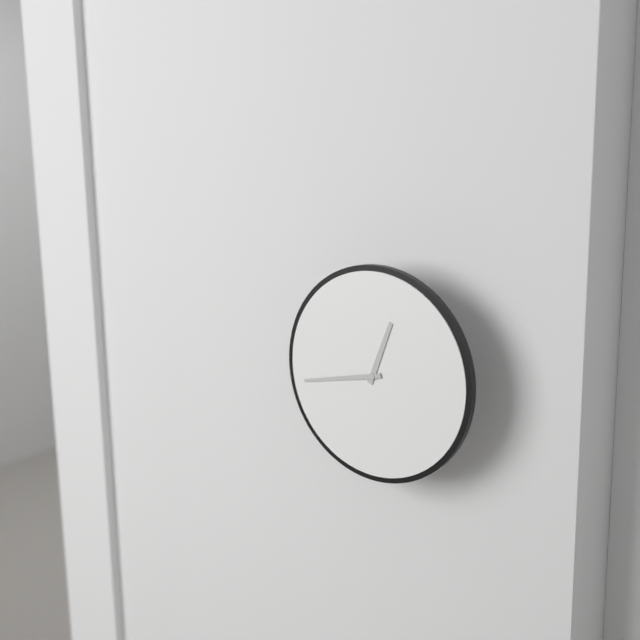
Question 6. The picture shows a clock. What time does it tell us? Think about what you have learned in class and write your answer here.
12:43
